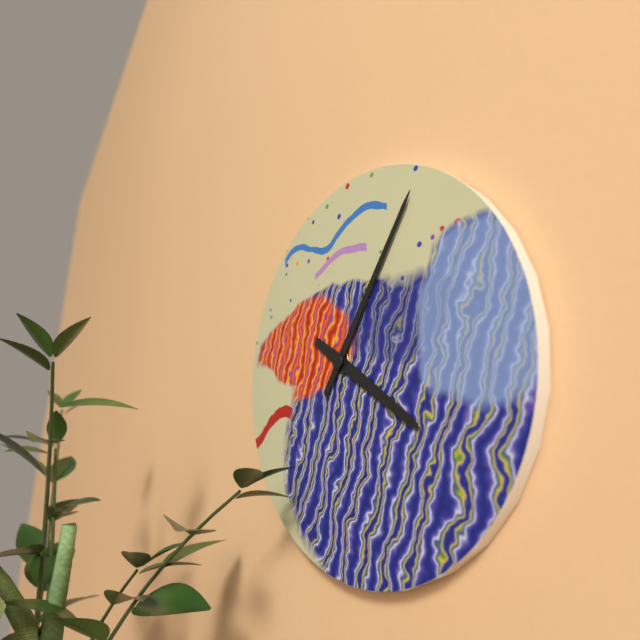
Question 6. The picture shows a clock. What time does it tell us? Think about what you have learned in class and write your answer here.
4:06
